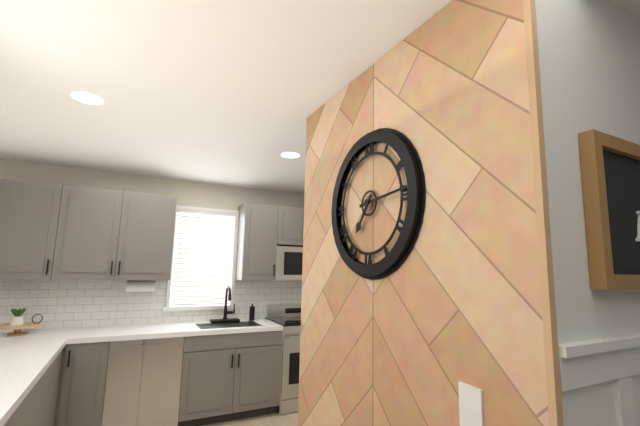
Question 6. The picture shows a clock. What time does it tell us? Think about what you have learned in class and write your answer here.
7:14
